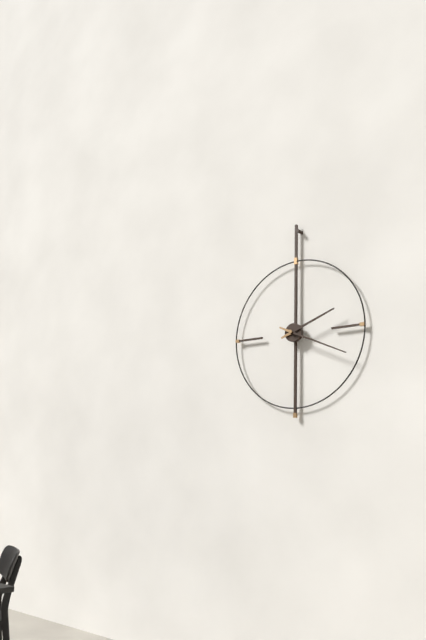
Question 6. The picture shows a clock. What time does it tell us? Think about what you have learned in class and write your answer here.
2:19
